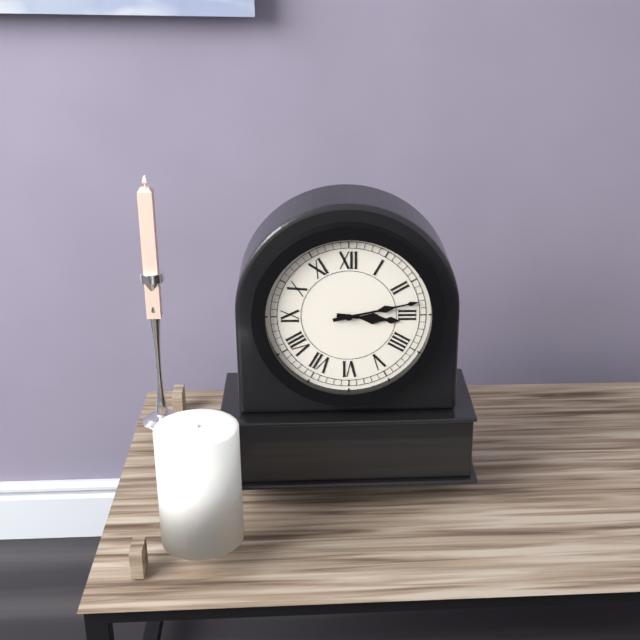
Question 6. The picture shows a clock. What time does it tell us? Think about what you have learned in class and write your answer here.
3:13
